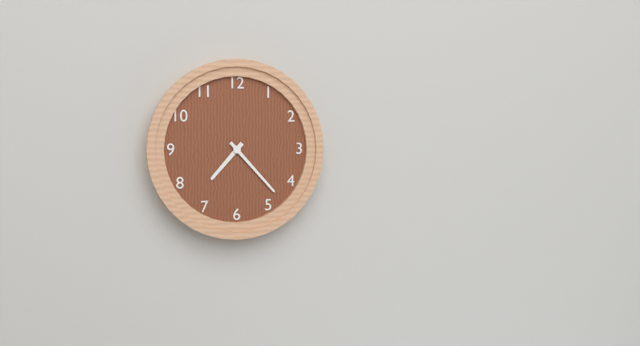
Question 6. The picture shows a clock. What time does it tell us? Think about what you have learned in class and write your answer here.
7:23
